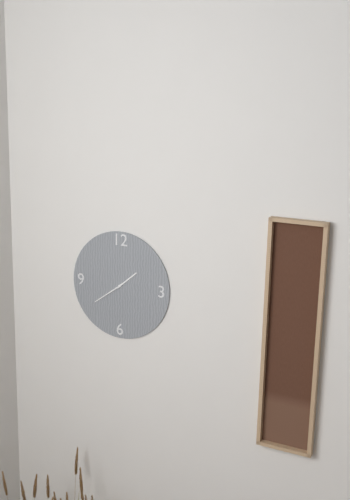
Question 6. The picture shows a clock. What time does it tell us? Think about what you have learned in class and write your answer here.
1:39
